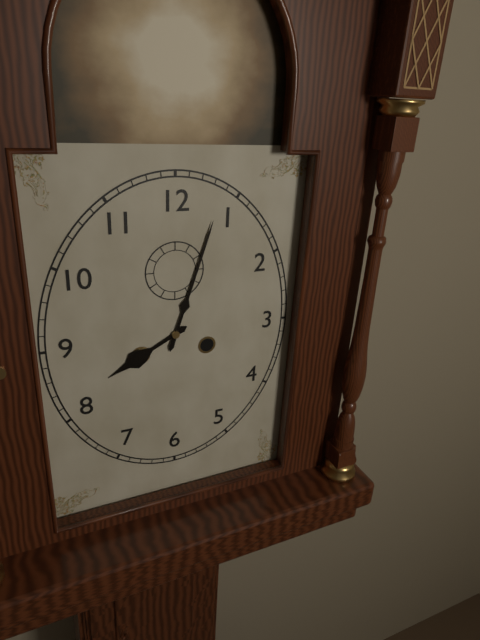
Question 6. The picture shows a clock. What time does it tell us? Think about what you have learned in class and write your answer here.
8:03
